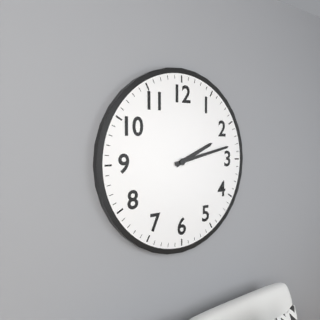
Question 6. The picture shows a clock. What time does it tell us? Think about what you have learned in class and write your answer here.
2:13
